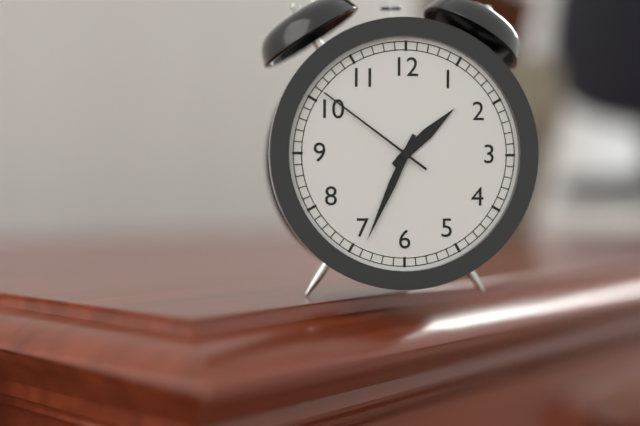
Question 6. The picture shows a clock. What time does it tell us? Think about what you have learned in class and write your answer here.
1:34:51
